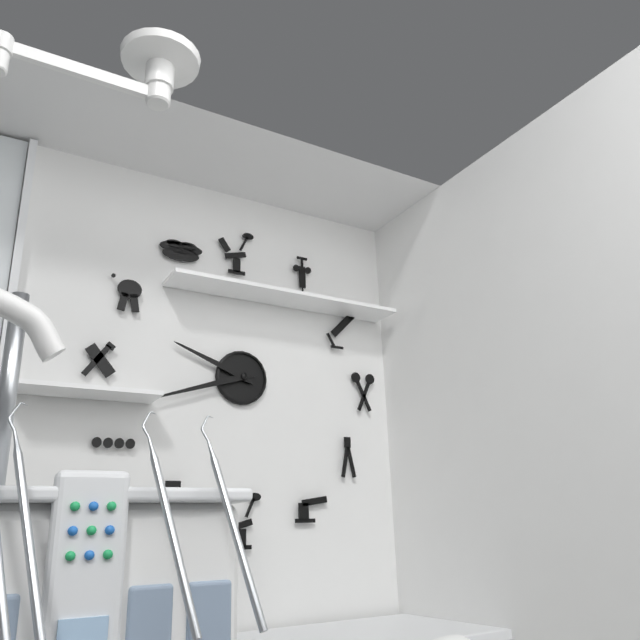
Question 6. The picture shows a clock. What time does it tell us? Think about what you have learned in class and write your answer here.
9:42
